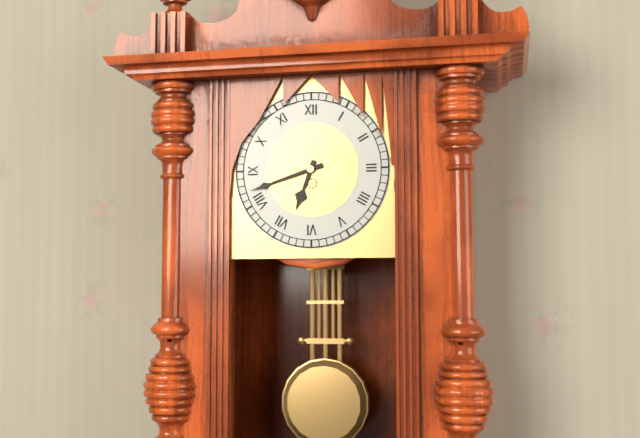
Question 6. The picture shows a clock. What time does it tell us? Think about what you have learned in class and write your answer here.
6:42
